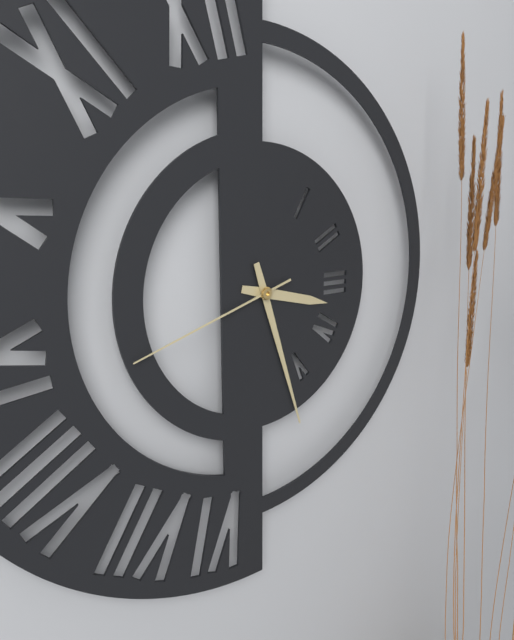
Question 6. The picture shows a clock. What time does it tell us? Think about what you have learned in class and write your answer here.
3:27:42
